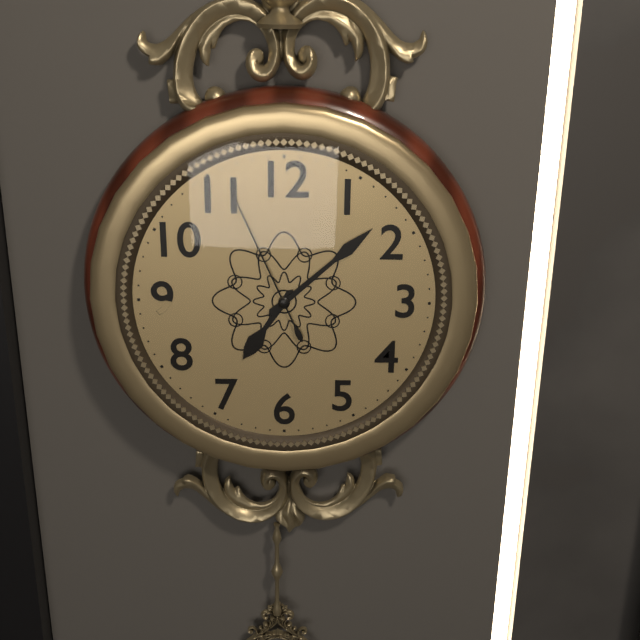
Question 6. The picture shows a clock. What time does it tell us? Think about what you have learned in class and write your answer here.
7:08:56
